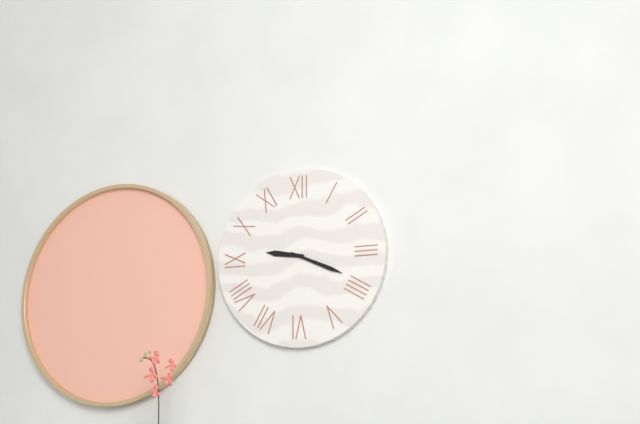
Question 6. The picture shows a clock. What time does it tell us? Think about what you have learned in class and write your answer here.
9:19
